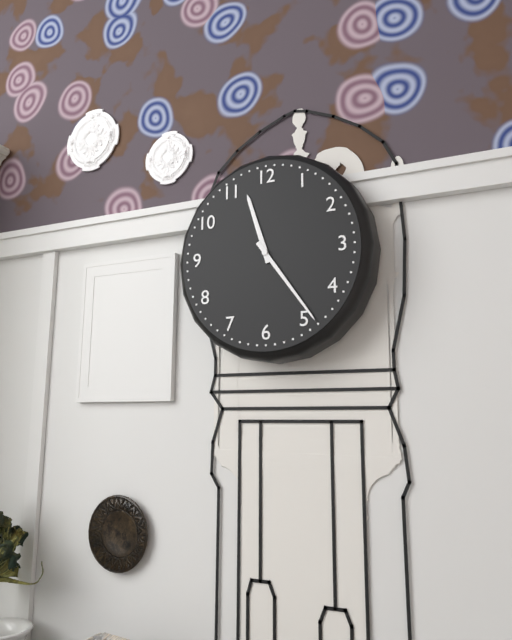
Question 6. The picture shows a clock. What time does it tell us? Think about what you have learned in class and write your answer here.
11:24
